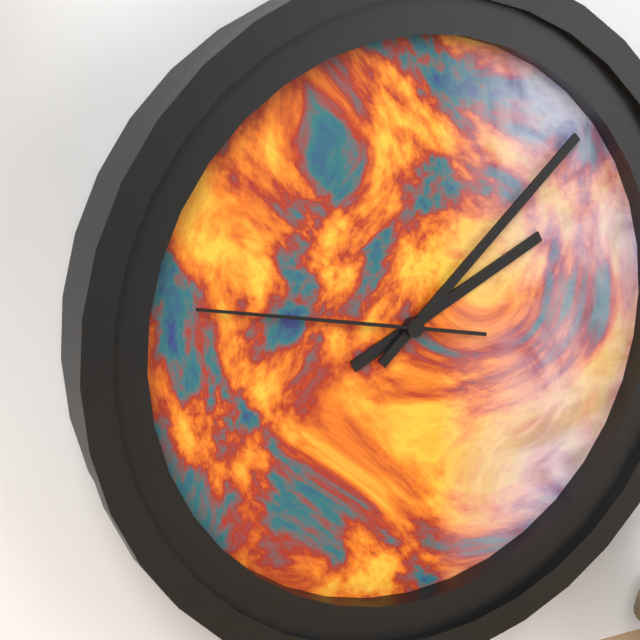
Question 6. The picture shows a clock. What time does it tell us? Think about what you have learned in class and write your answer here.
2:08:47
